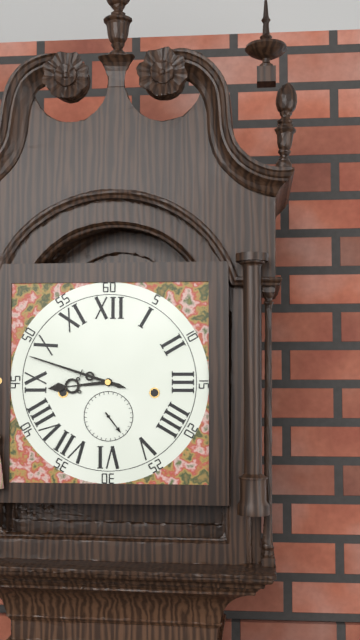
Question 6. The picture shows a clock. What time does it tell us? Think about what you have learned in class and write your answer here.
8:48
